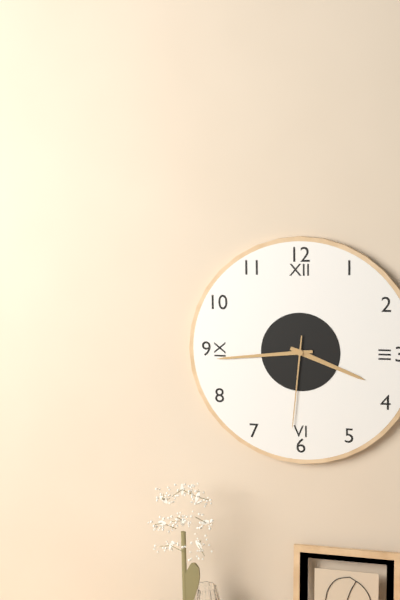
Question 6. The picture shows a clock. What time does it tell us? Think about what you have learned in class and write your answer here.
3:44:31
